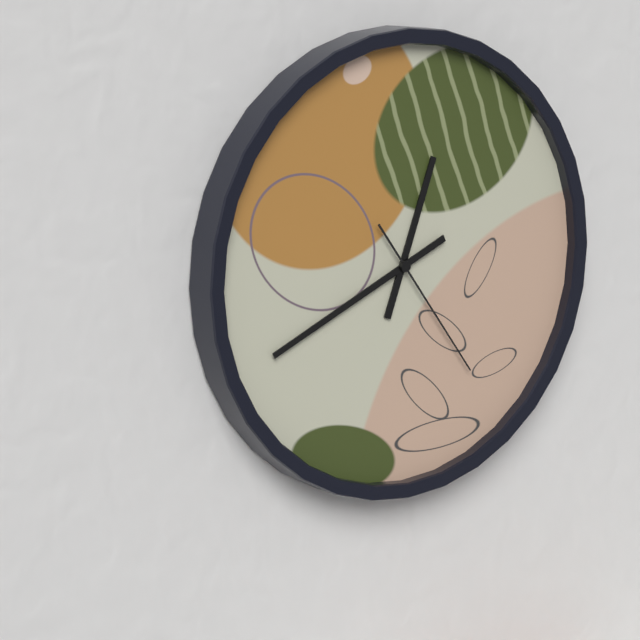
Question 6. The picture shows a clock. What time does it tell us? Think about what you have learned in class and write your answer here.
12:41:24
